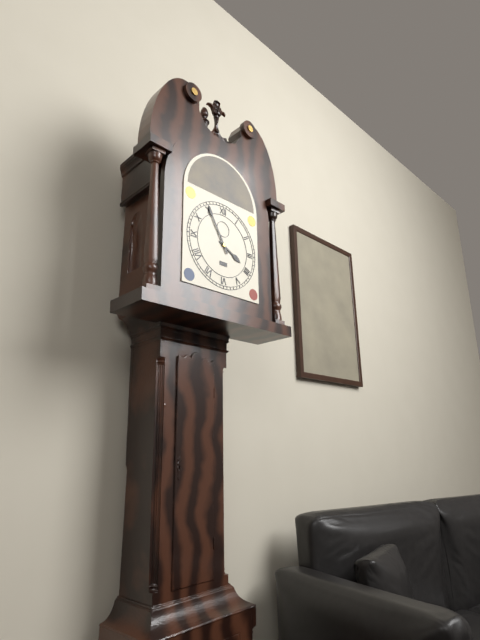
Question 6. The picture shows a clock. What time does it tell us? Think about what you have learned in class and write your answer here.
3:55
